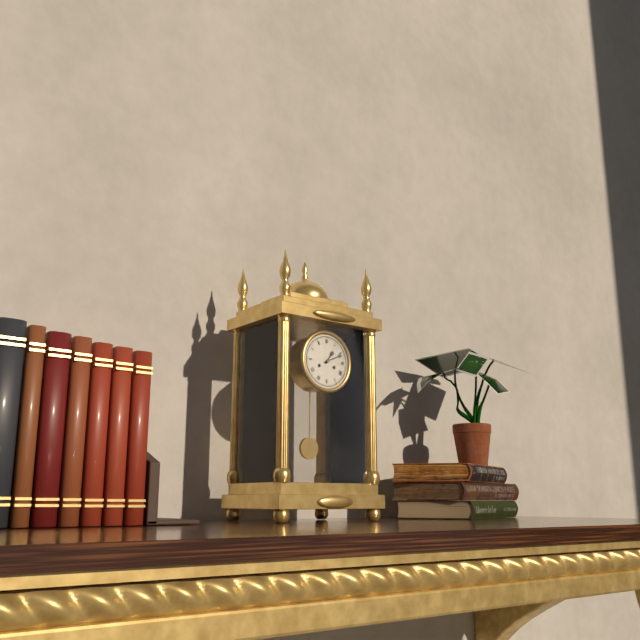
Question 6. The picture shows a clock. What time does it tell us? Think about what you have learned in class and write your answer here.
1:11
